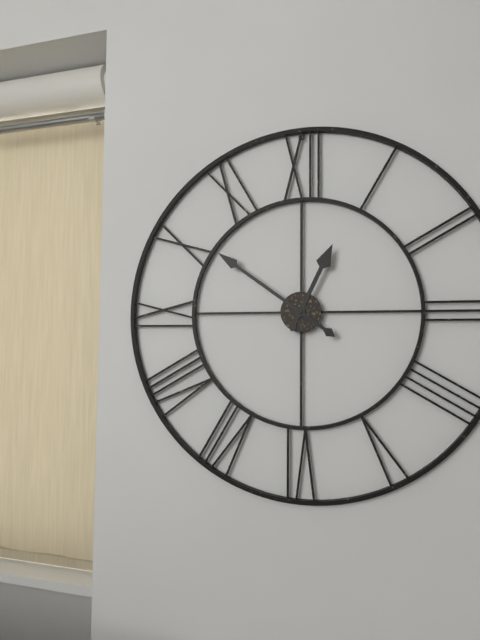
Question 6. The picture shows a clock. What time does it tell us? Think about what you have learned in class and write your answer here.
12:51
